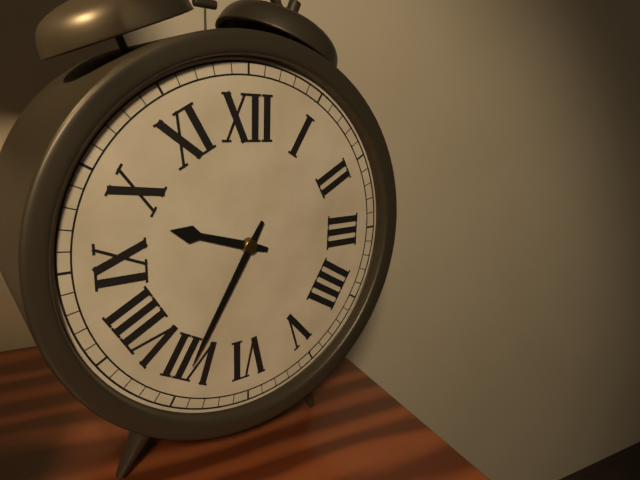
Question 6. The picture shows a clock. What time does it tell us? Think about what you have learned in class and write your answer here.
9:35
